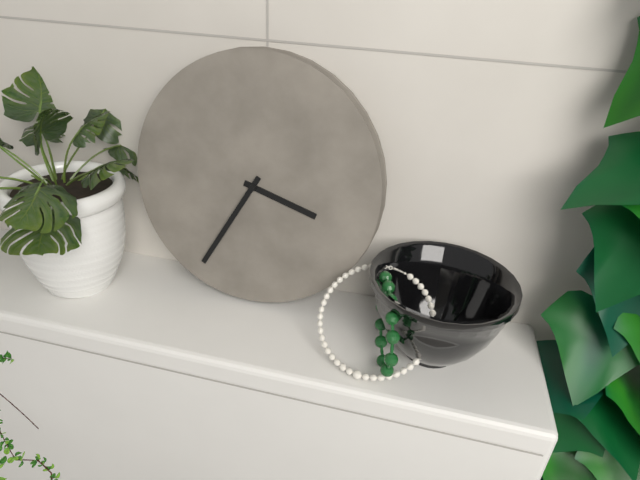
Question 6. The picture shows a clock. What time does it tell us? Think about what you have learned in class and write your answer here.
3:35
